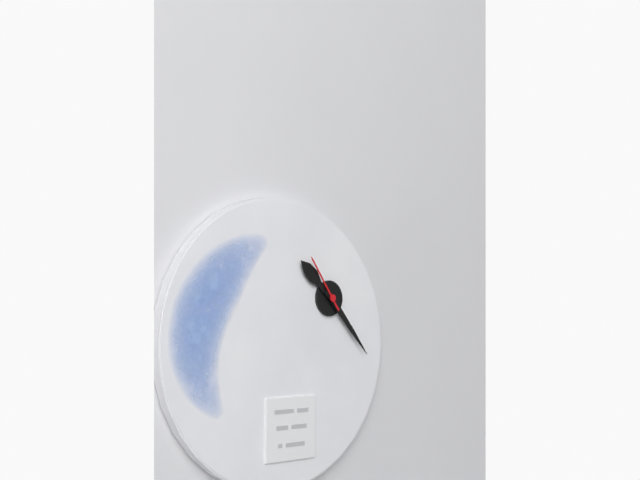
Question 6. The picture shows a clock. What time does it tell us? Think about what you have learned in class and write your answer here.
10:23:54
